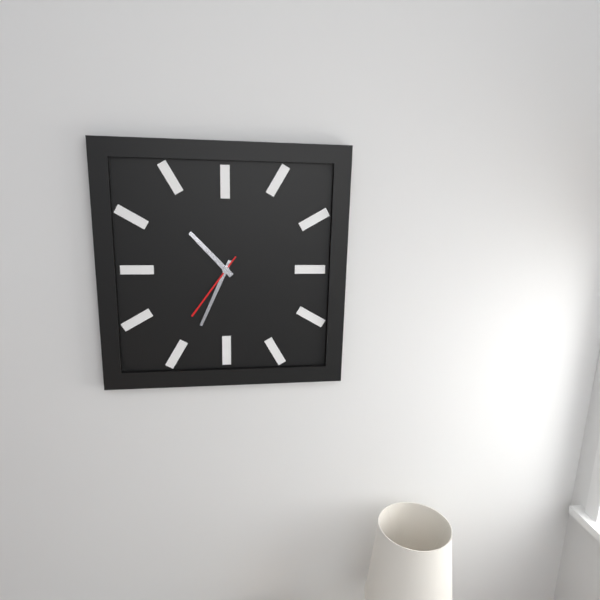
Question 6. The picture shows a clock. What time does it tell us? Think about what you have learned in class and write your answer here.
10:34:36
